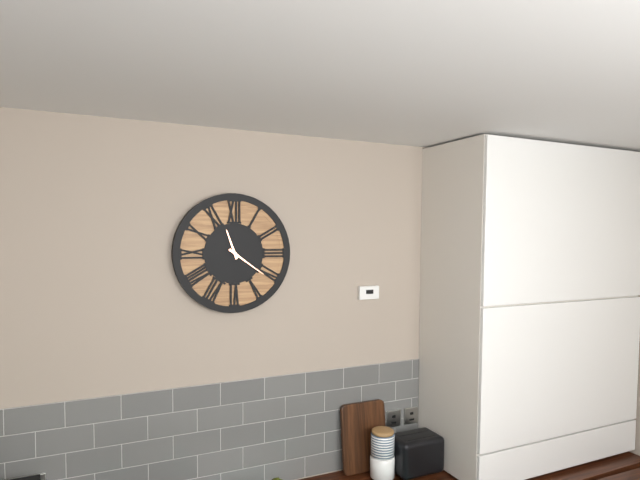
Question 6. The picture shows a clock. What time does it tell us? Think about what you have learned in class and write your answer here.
11:21
